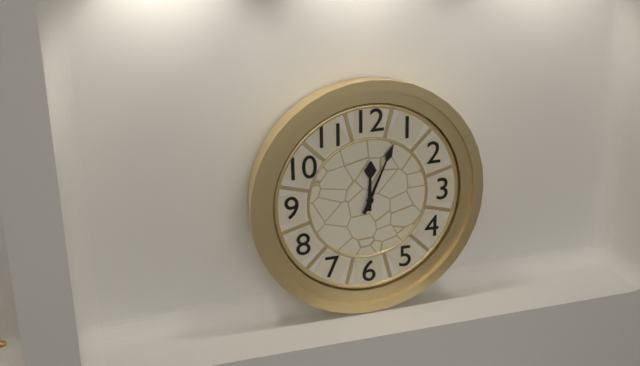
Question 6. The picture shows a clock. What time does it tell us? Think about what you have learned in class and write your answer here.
12:04
